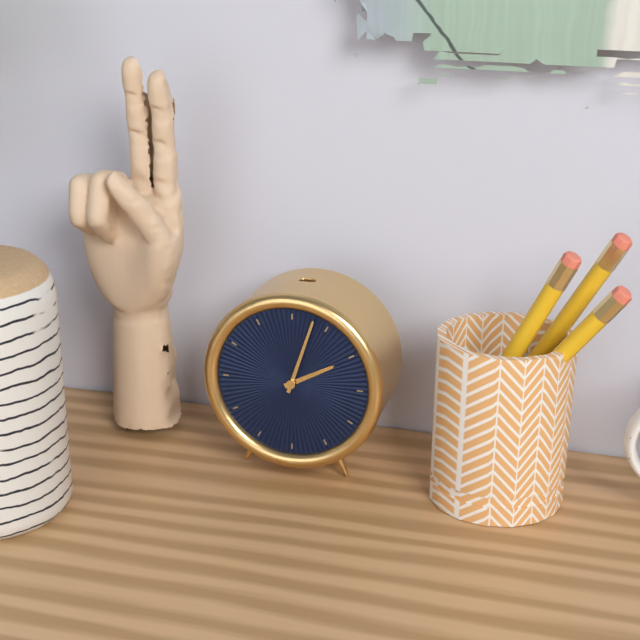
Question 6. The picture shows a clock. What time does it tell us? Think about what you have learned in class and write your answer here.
2:03
